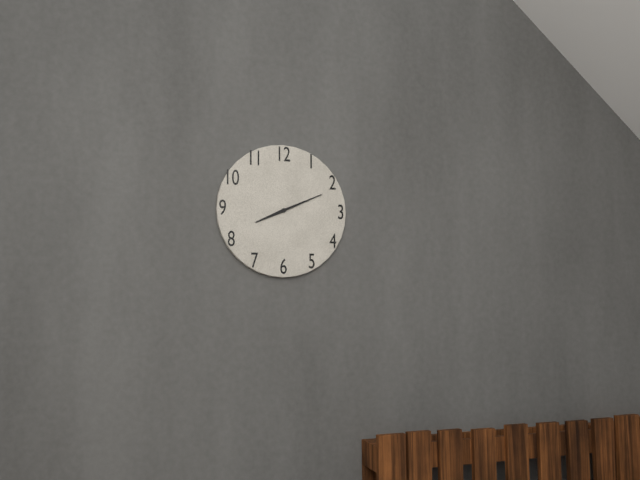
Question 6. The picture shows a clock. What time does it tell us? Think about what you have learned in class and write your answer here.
8:11
